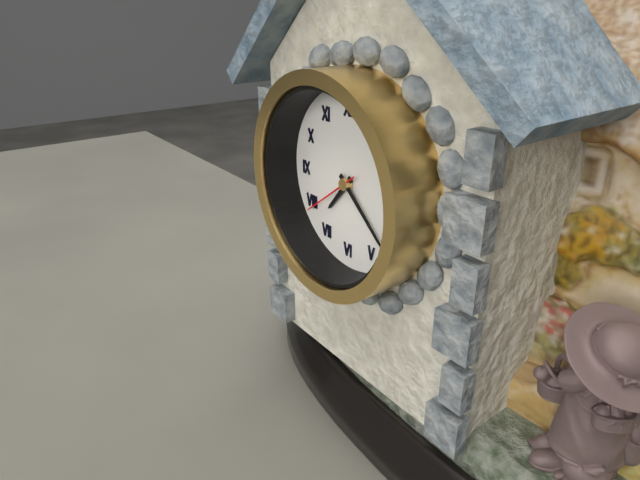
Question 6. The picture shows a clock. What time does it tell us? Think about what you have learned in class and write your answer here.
7:22:39
